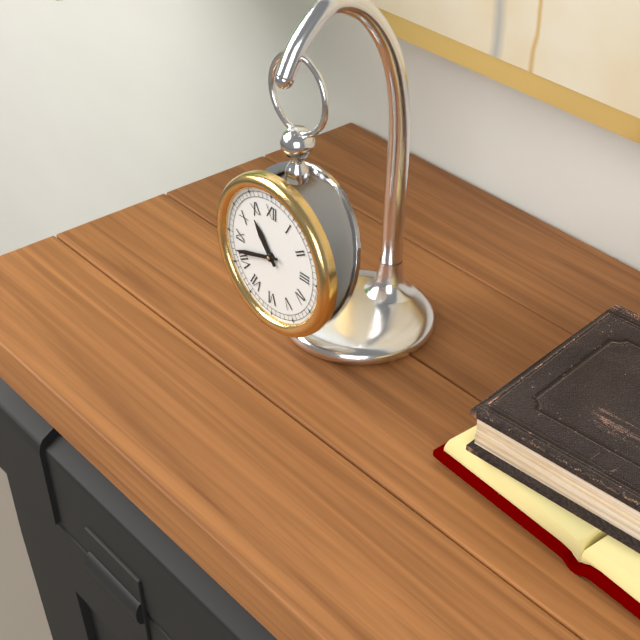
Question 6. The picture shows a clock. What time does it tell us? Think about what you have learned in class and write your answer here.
10:42
